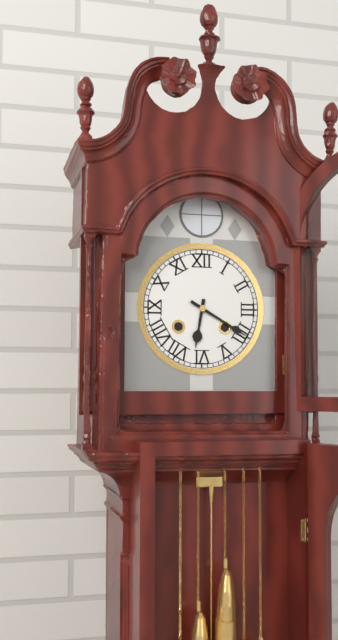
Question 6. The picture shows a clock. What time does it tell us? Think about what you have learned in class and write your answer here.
6:20
